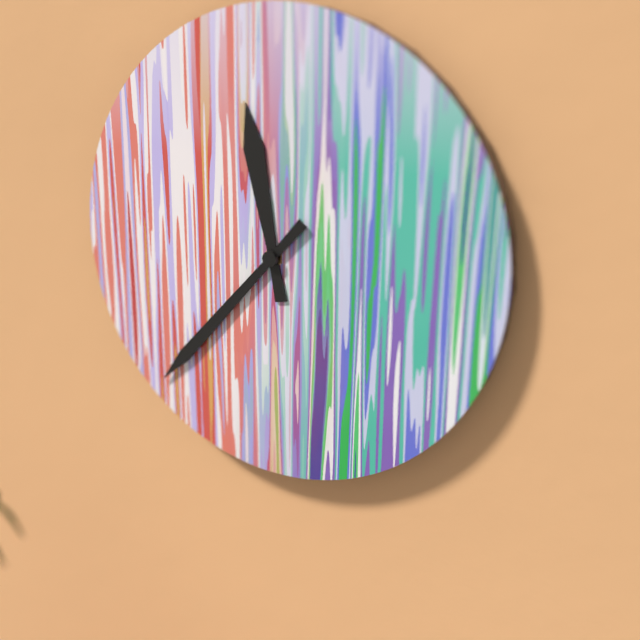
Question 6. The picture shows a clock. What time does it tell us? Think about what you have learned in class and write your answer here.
11:37
